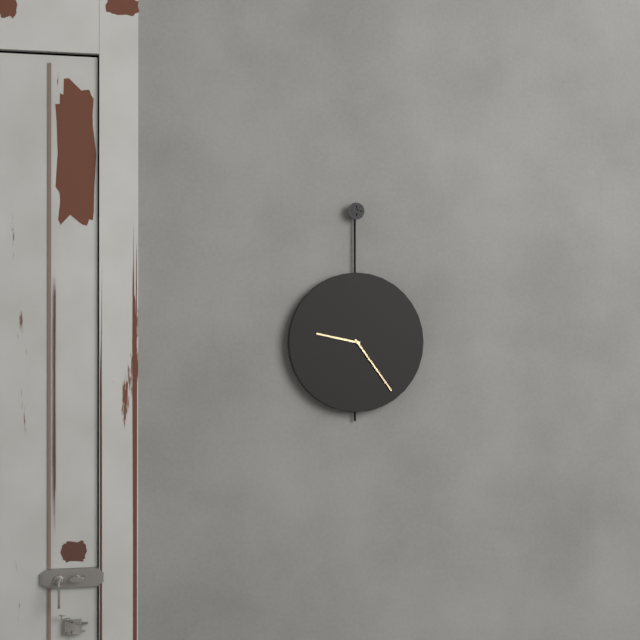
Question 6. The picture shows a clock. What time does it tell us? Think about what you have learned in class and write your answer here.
9:24
